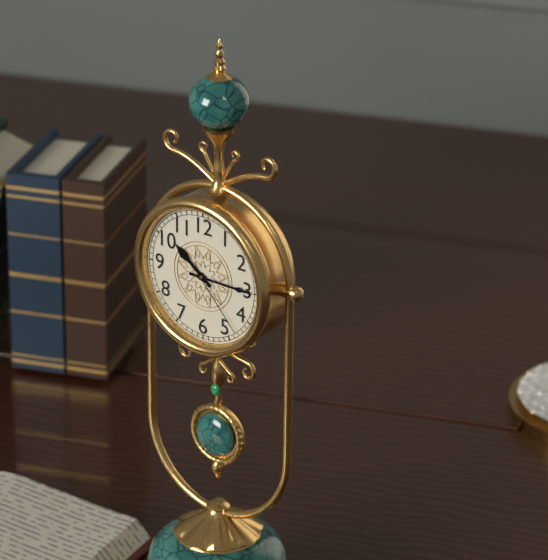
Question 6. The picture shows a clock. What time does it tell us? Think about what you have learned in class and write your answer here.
10:15:23
